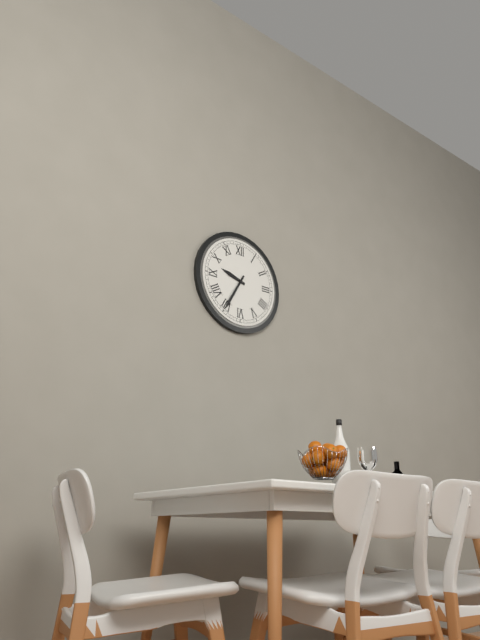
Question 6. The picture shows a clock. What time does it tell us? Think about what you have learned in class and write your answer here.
9:35
